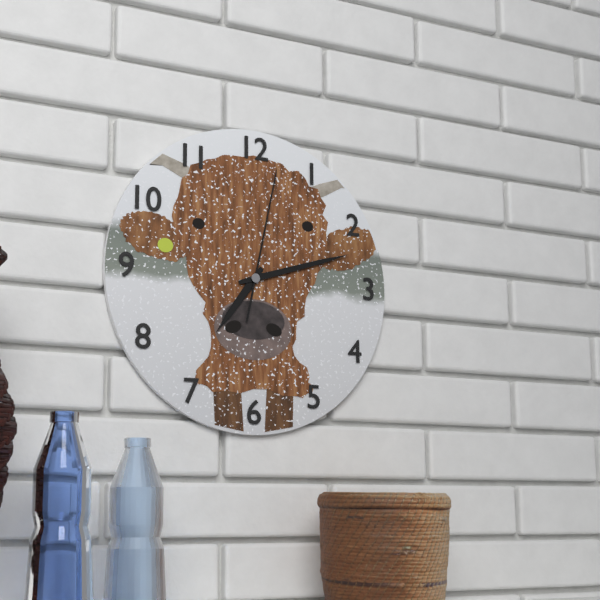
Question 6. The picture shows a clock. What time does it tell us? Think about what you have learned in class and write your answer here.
7:12:02
